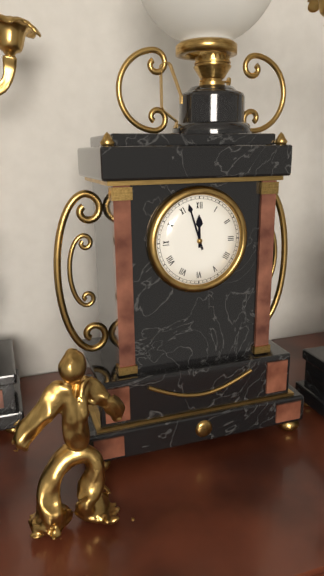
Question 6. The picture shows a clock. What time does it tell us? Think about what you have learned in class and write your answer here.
11:57
